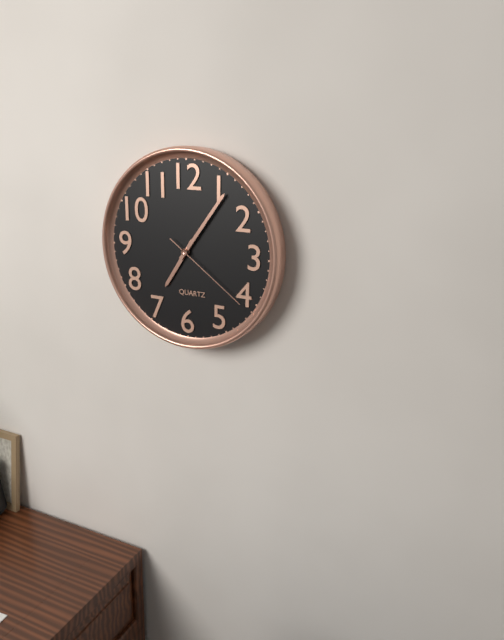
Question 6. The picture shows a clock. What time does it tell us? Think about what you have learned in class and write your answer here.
7:06:21
